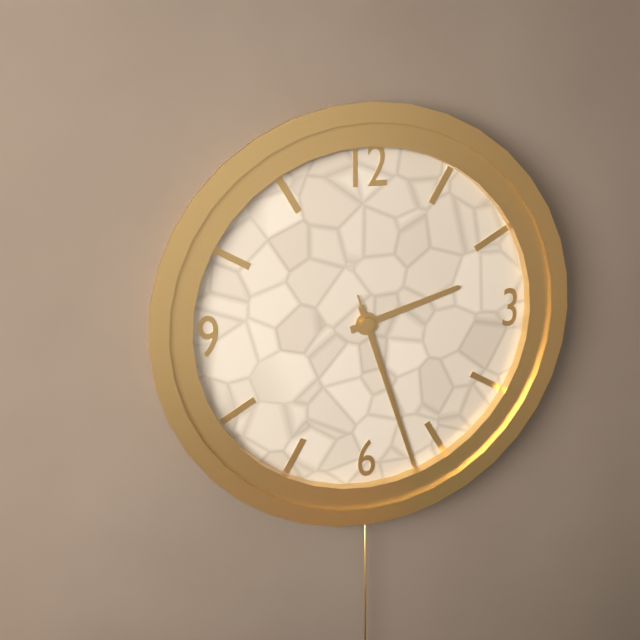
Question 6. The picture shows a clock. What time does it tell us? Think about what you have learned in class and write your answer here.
2:27:27
